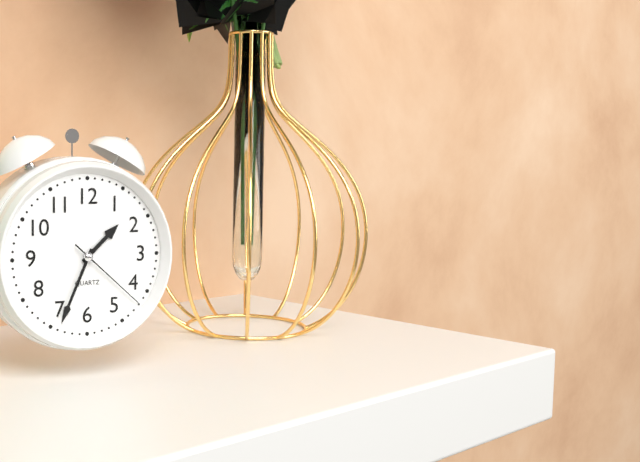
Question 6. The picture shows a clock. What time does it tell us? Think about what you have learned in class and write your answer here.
1:34:22
